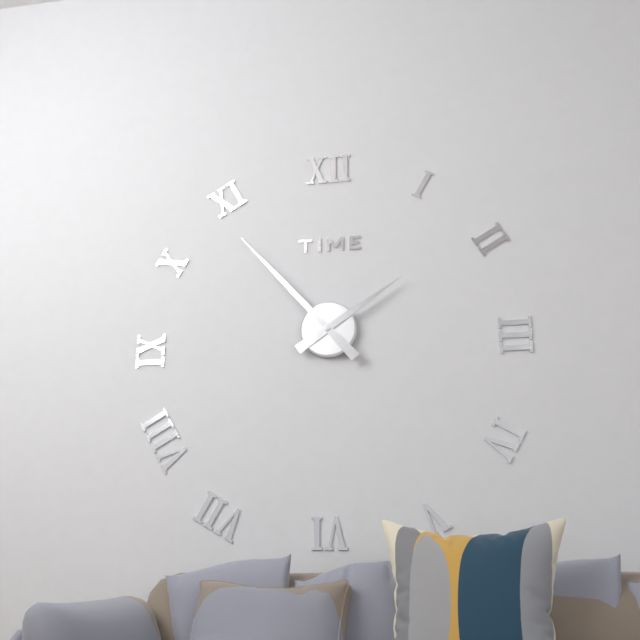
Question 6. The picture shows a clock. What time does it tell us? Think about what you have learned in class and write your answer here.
1:53
